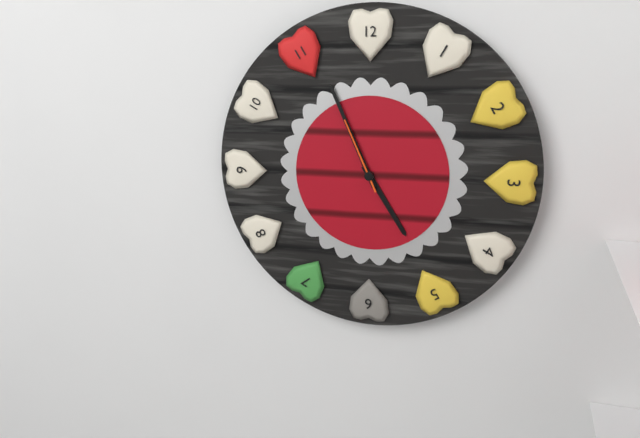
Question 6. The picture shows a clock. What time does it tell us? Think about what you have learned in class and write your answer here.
4:56:56
